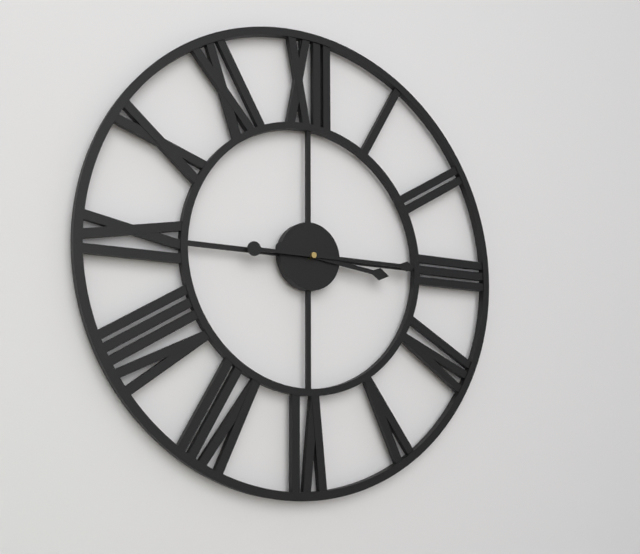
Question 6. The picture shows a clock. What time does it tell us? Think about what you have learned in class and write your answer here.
3:15
